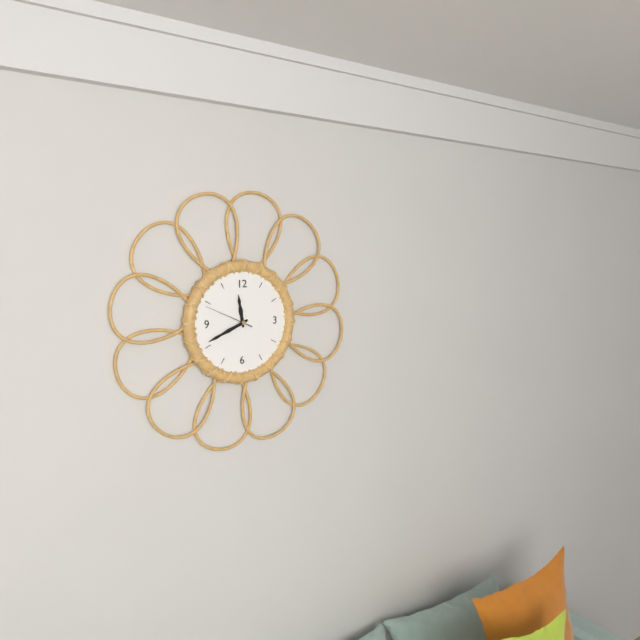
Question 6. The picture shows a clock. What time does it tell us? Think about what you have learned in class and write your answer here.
11:41:49
